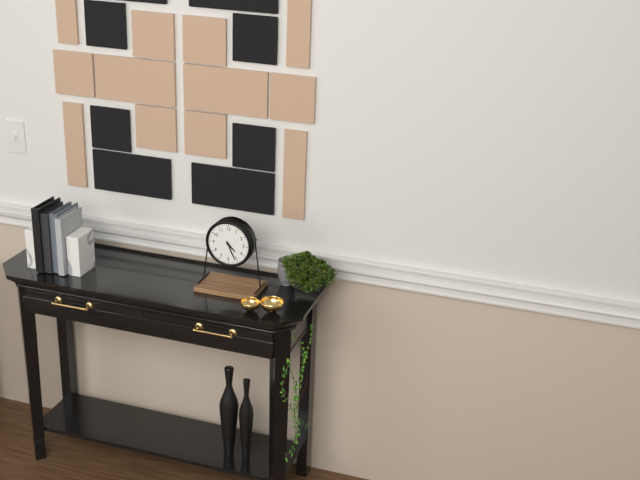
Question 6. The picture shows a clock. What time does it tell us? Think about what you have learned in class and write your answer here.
4:26
